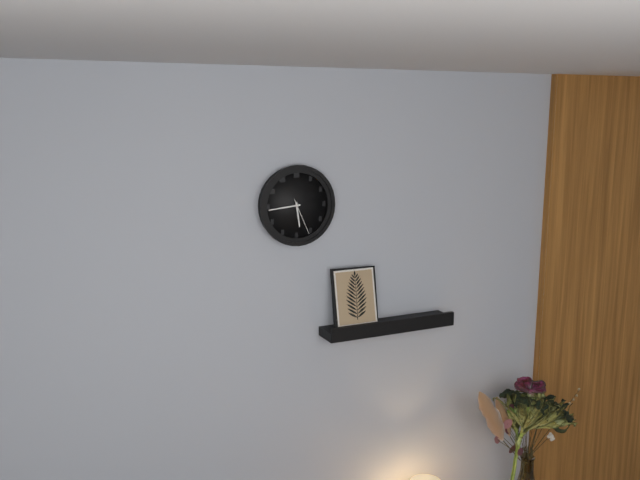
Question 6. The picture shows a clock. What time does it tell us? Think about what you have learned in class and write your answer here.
5:44
